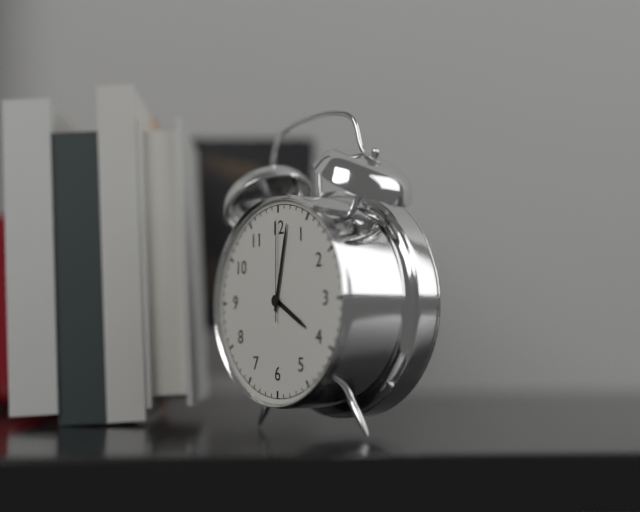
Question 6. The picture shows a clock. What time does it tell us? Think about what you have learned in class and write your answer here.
4:02:00
